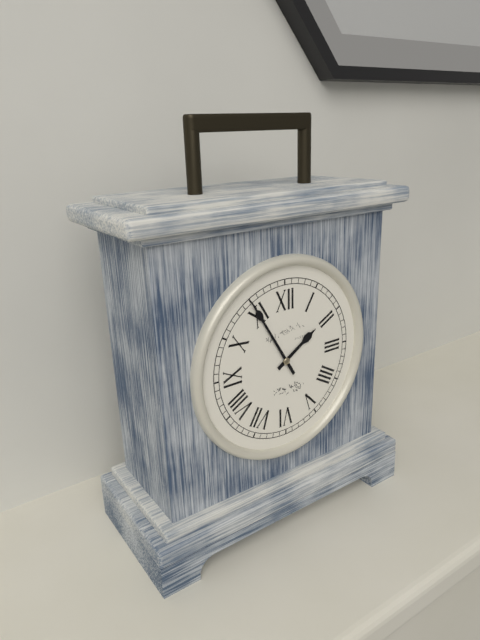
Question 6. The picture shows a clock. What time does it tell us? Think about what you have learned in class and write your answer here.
1:55
